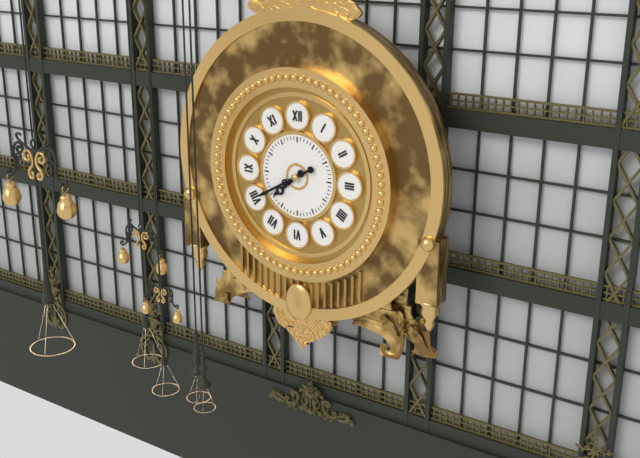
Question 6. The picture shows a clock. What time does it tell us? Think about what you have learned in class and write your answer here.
7:40
